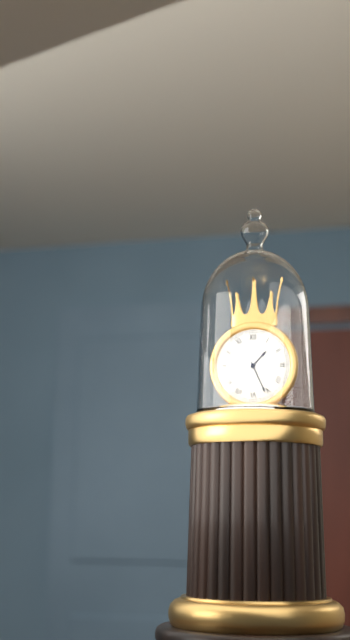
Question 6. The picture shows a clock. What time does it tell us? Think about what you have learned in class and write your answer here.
1:26
